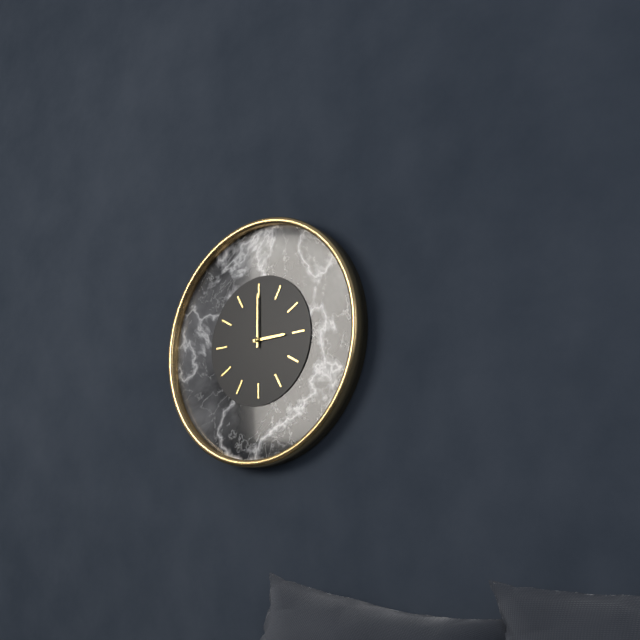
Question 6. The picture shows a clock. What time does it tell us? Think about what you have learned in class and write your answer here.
3:00
